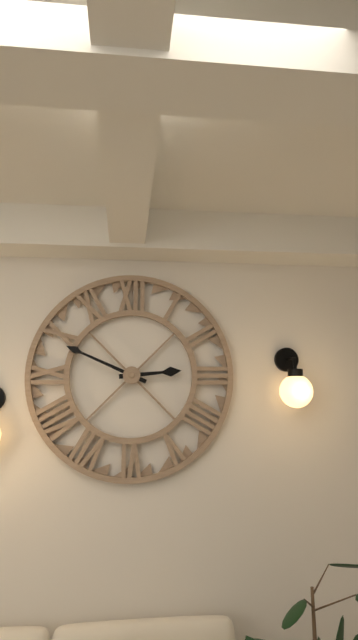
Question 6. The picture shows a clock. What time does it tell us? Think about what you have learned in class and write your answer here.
2:49
